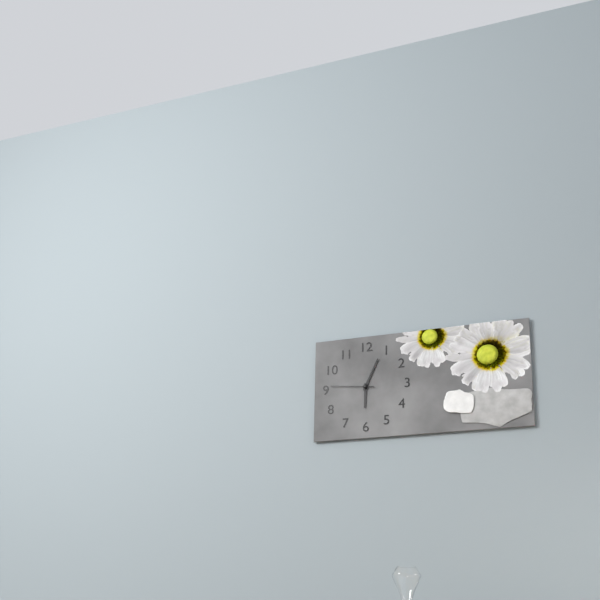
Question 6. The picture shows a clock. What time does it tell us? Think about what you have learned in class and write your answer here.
6:04
